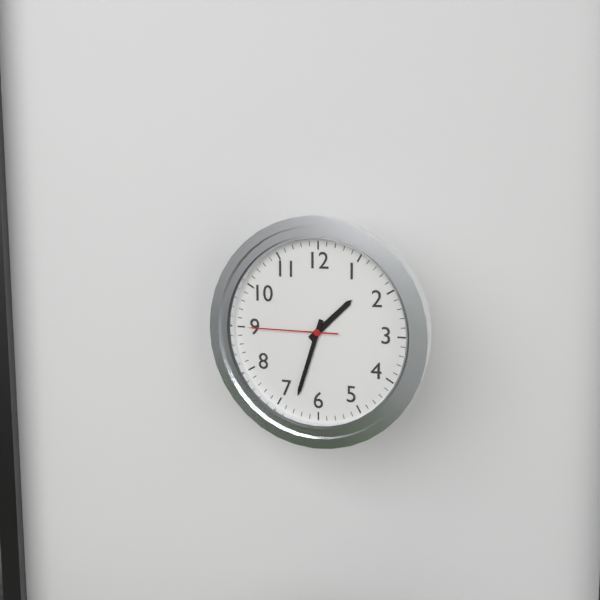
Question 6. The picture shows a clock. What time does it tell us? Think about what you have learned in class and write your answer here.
1:33:45
